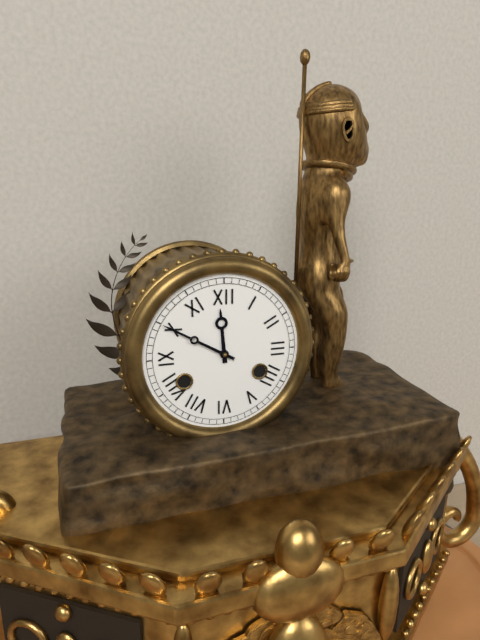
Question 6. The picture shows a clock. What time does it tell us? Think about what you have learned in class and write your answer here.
11:50
